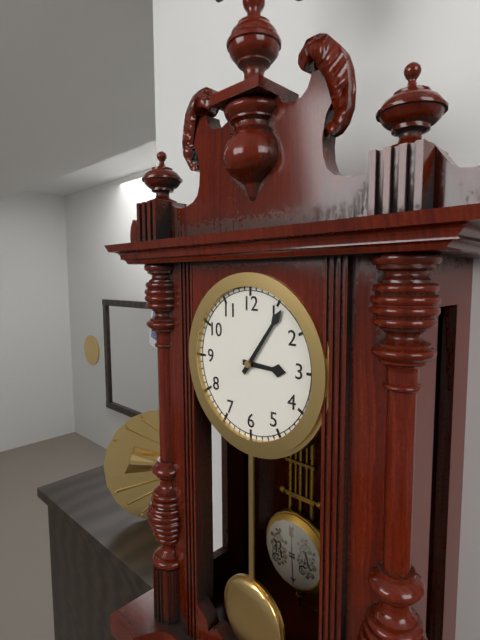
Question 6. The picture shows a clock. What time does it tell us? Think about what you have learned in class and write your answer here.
3:06
